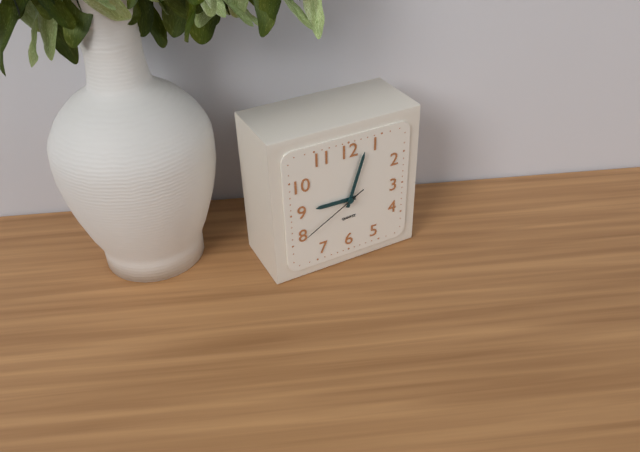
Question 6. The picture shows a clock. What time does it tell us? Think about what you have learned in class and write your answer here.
9:03:40
